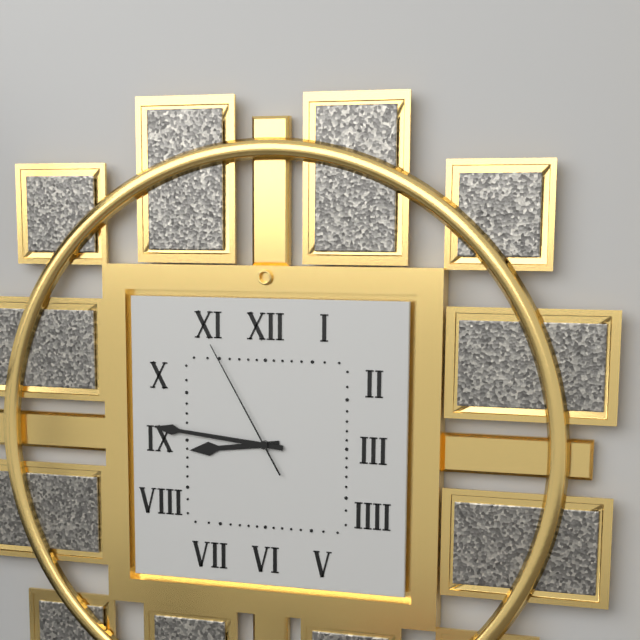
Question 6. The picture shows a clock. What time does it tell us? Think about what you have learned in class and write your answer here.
8:46:55
